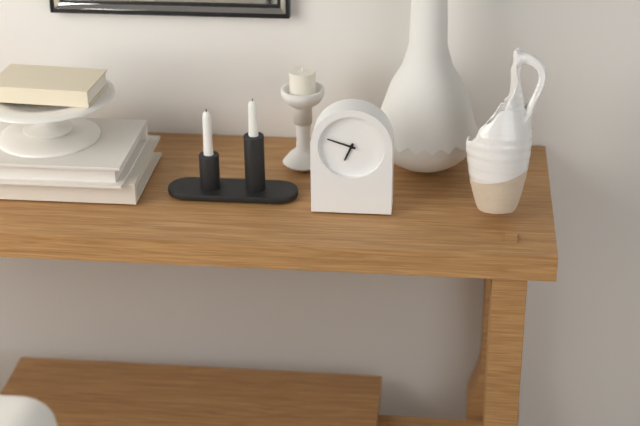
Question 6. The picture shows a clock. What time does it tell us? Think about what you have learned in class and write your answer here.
6:48
